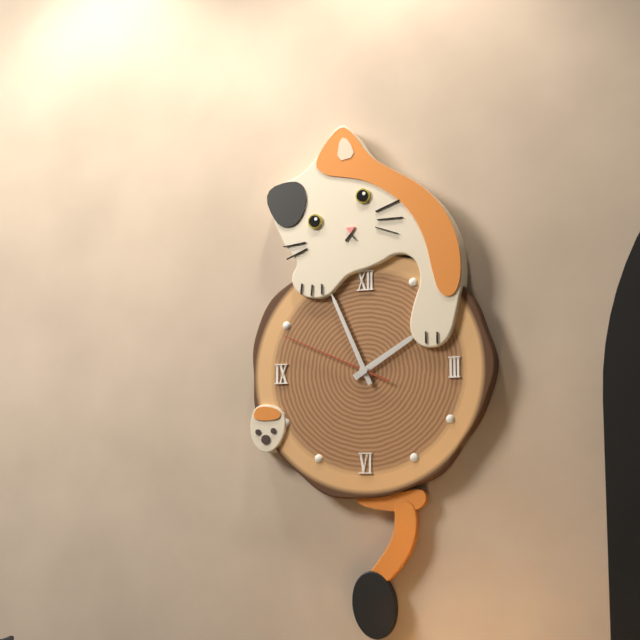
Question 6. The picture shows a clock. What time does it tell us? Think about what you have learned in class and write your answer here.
1:56:49
